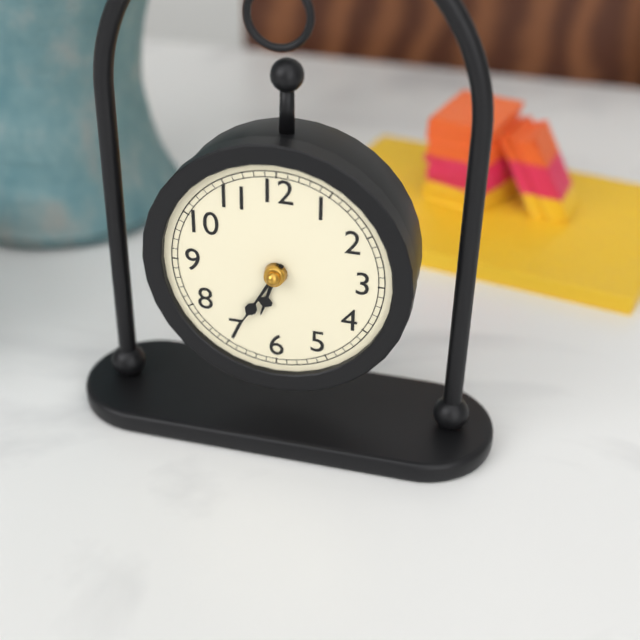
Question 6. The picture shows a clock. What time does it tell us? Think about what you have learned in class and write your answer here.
6:35
